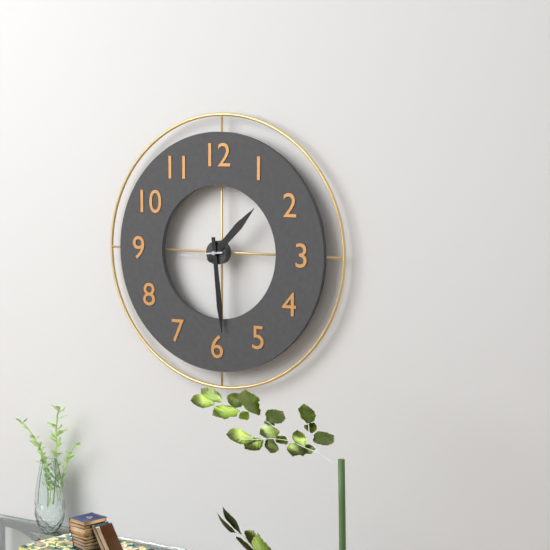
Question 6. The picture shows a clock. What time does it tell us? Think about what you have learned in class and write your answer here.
1:29
